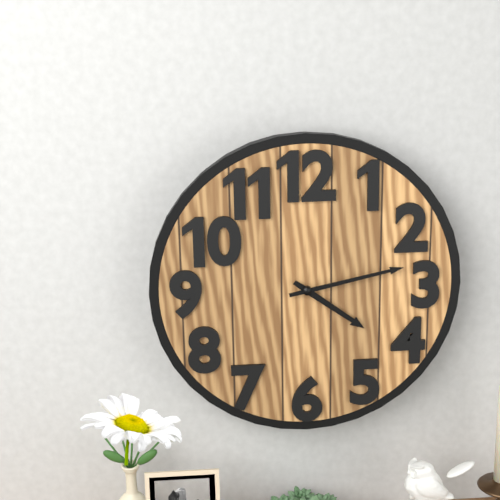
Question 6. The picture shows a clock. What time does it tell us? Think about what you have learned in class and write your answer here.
4:13
